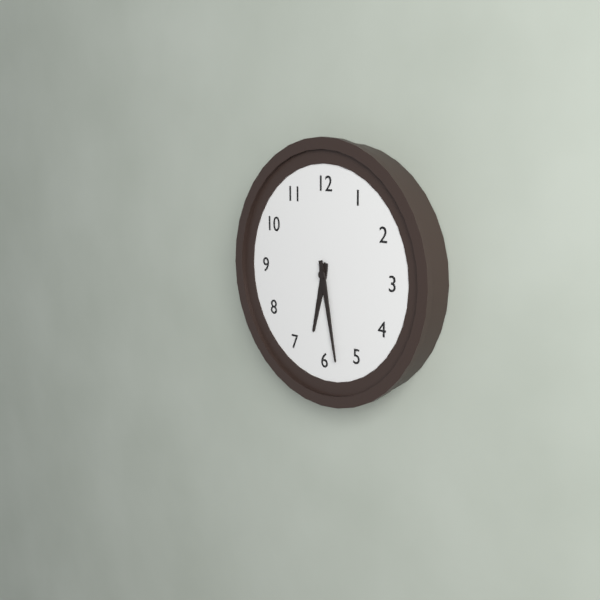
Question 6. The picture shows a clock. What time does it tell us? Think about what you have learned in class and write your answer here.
6:28
